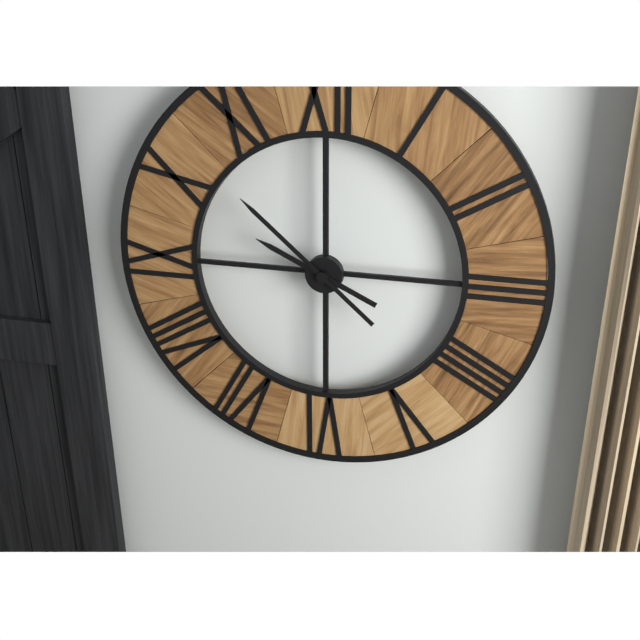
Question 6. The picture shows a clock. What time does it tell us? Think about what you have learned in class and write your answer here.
9:52
